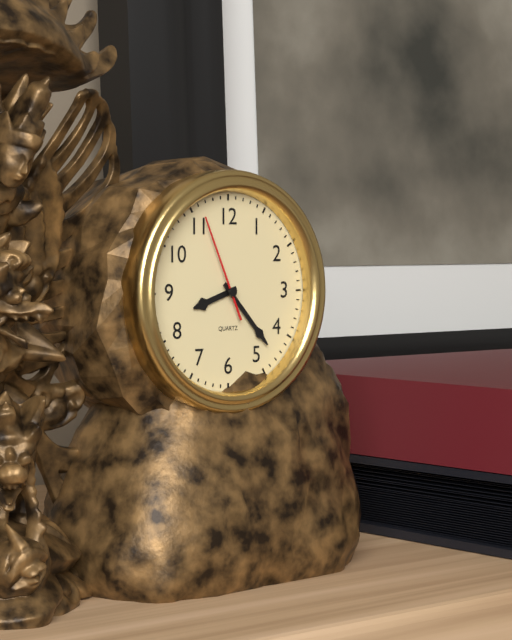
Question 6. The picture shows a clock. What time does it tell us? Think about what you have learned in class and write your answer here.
8:23:56
